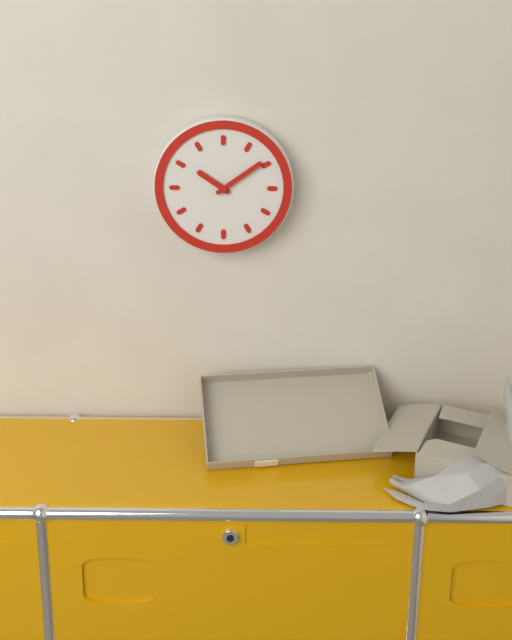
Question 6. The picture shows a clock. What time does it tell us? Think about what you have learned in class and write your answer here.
10:09
